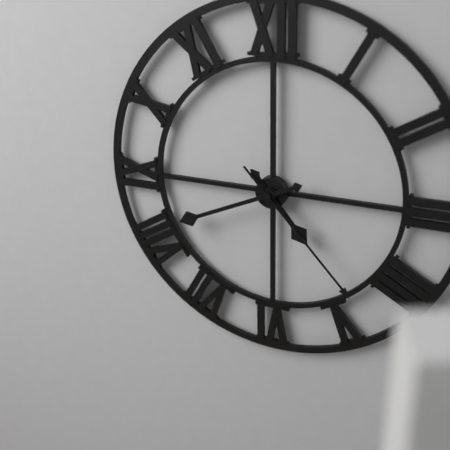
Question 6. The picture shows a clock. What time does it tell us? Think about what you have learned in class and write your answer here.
4:41:23
